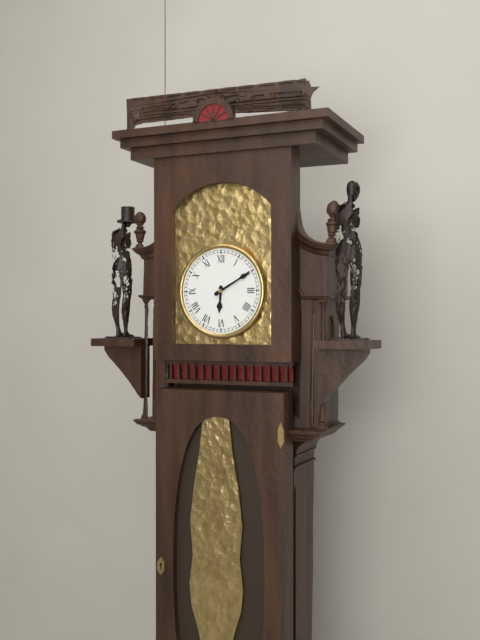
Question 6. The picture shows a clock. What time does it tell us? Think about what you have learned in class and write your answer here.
6:10
